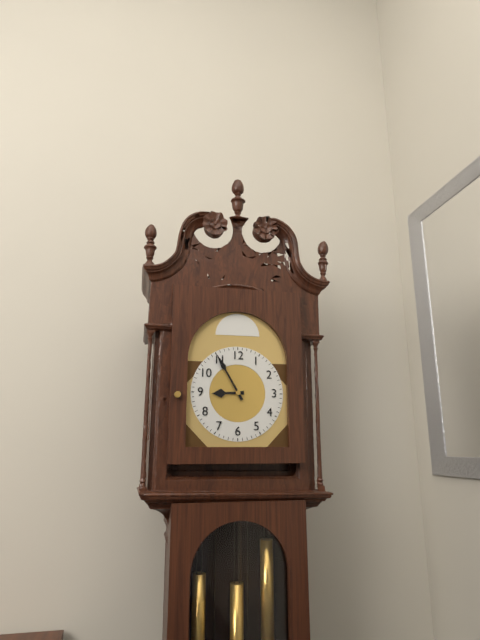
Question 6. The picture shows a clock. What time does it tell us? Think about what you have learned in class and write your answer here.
8:55
